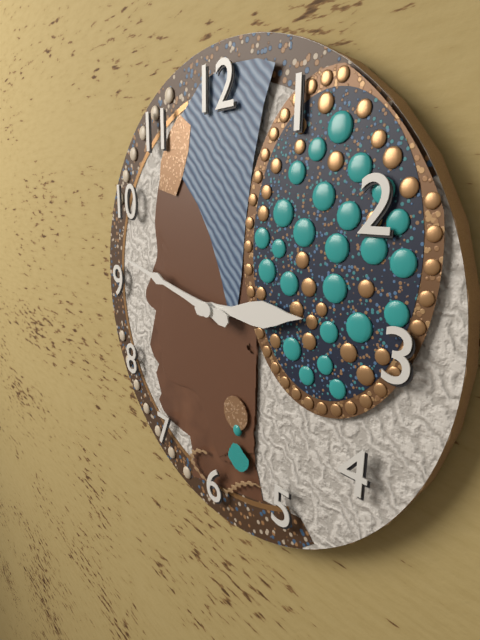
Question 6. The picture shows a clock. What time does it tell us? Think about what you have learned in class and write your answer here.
2:47
